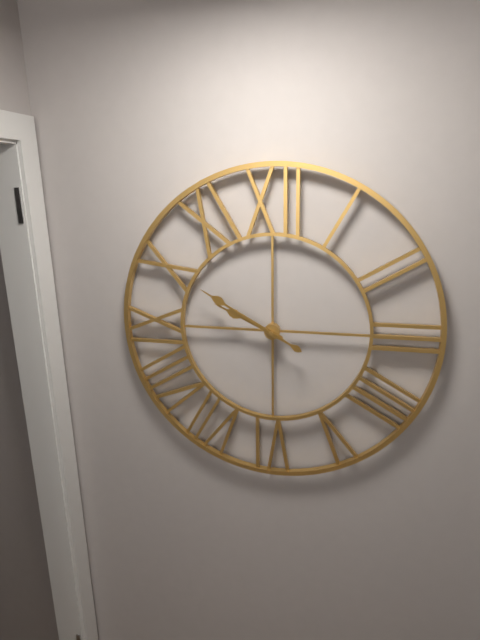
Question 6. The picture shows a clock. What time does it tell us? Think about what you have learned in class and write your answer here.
9:50
